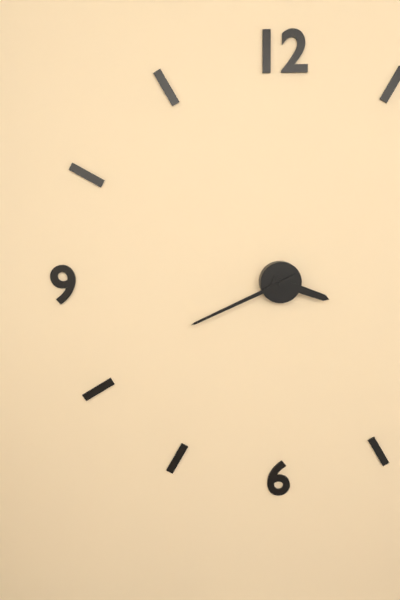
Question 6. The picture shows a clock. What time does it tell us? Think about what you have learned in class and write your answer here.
3:41
